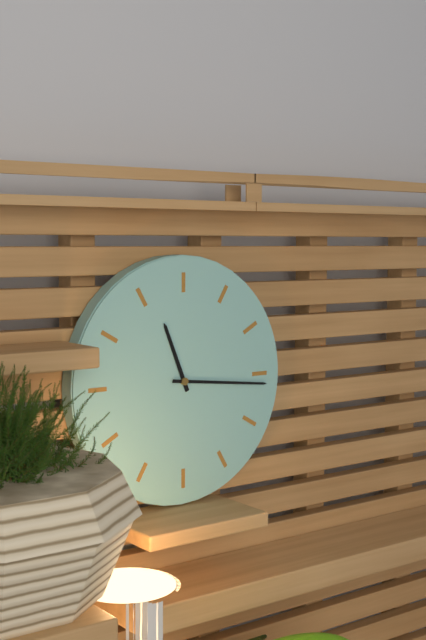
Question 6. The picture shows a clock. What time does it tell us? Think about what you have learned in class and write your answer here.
11:16
